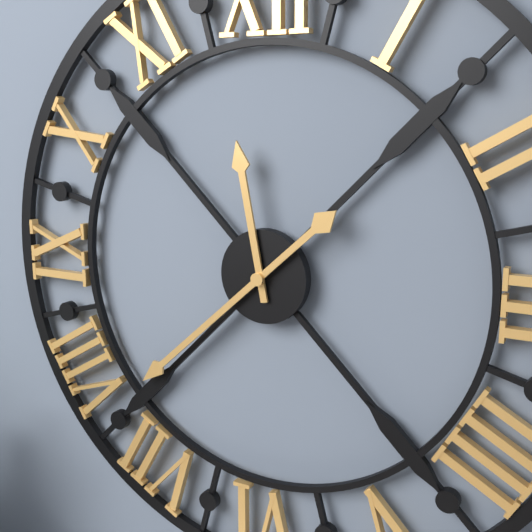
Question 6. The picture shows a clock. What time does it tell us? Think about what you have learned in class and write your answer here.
11:38
